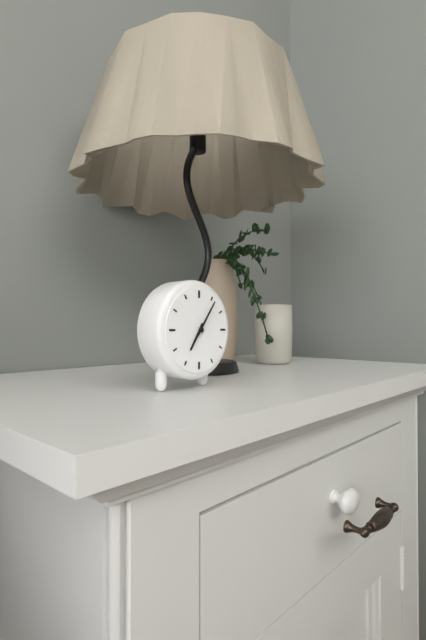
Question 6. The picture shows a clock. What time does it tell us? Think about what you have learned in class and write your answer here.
7:06
